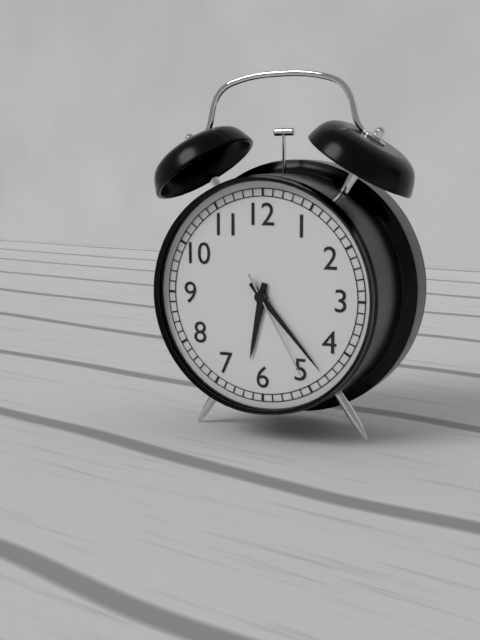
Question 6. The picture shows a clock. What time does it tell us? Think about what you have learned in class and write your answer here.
6:23:25
